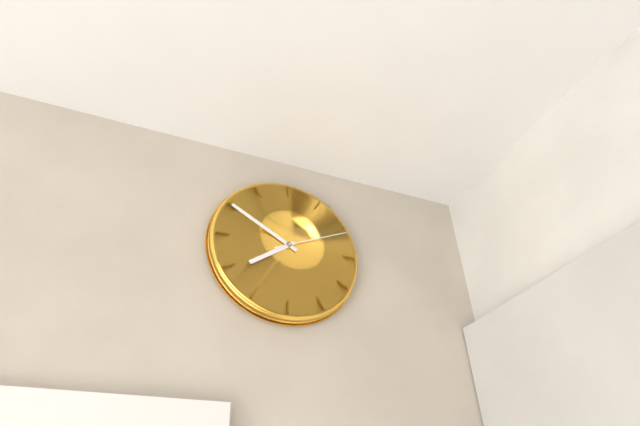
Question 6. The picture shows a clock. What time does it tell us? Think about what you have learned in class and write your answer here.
7:50:11
